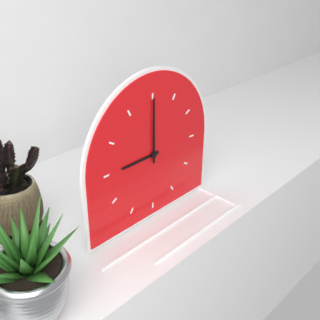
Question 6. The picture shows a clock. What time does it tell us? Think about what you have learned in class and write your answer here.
9:00
